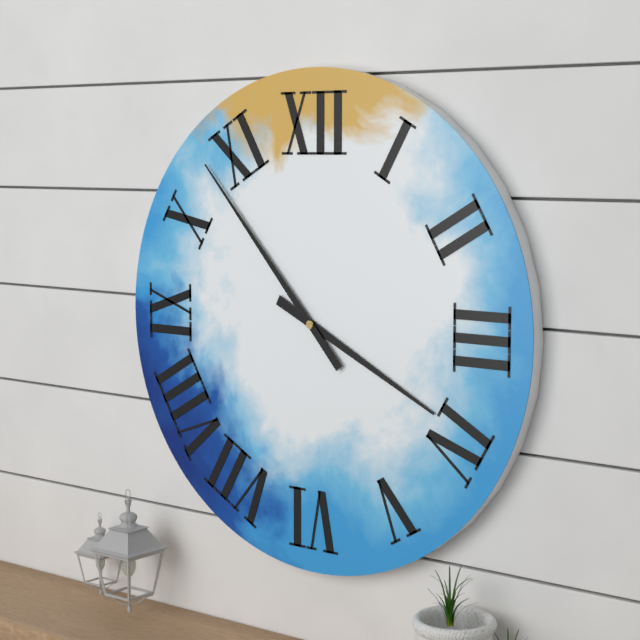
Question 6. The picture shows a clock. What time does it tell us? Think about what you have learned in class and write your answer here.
3:53
